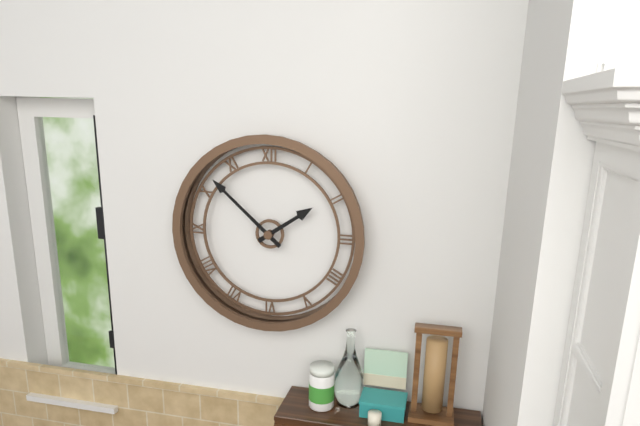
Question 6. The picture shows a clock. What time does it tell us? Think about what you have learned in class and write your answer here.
1:52
